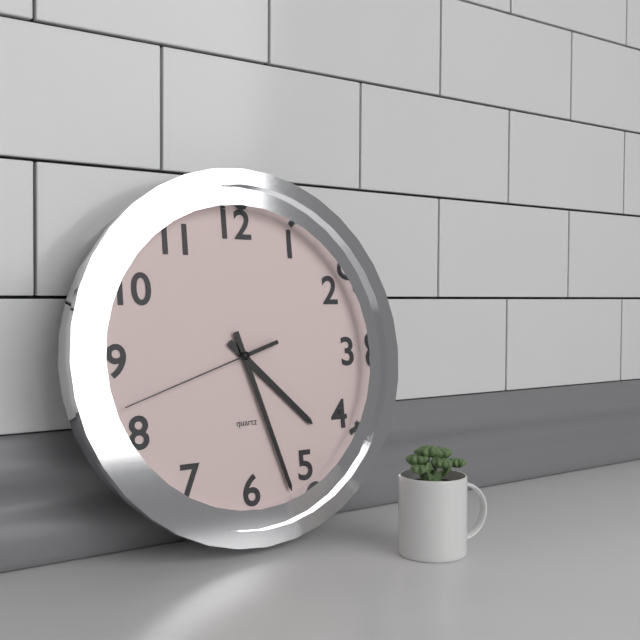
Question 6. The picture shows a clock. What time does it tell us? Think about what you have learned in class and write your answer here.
4:27:42
